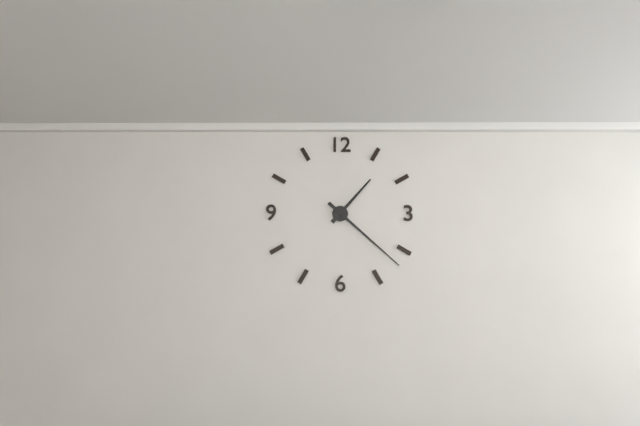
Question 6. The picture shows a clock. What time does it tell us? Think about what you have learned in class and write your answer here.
1:22
